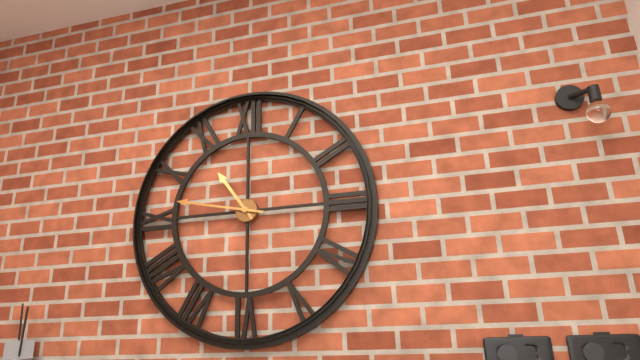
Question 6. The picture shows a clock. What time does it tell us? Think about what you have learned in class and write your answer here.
10:47
